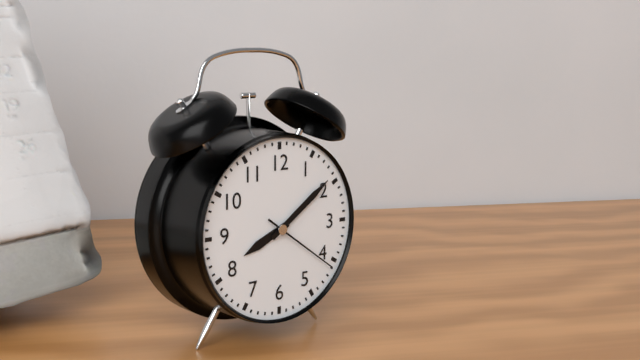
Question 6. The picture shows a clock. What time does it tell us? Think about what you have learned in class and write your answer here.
8:09:21
